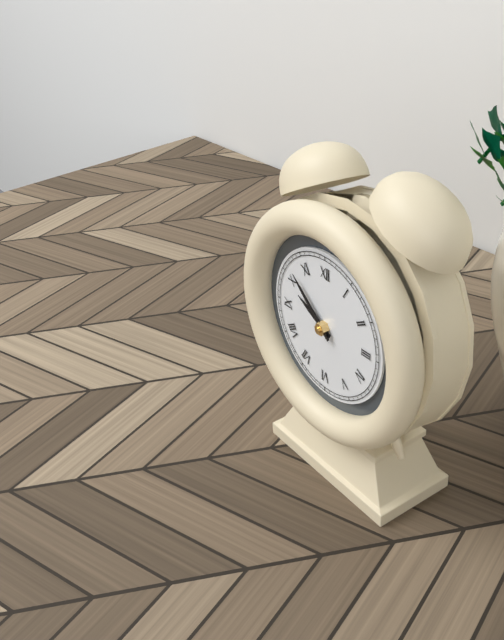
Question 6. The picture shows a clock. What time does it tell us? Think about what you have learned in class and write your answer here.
9:52
